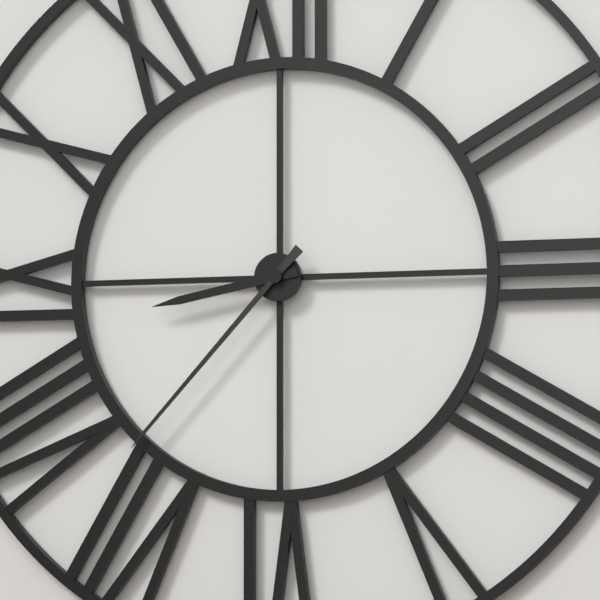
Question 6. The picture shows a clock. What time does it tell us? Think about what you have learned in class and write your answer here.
8:37
